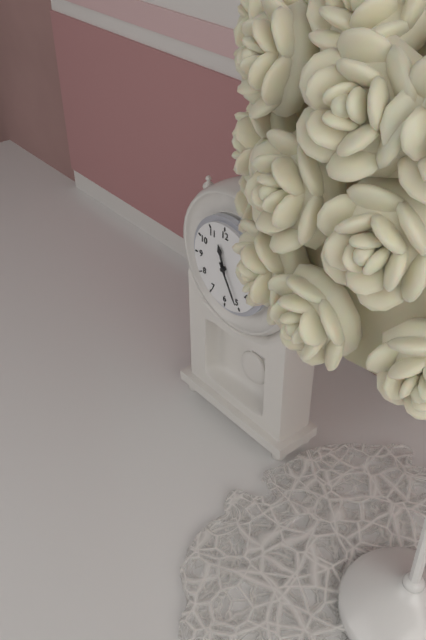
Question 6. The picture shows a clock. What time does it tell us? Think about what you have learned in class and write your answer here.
11:25
